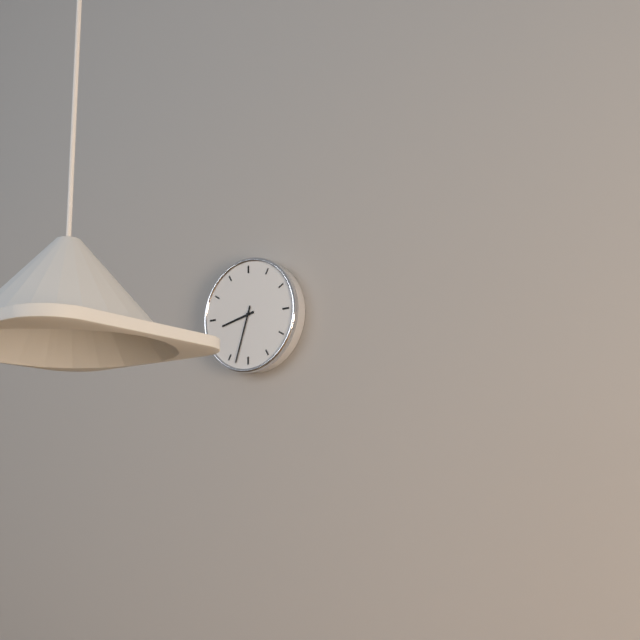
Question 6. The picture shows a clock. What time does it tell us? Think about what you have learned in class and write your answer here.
8:33
